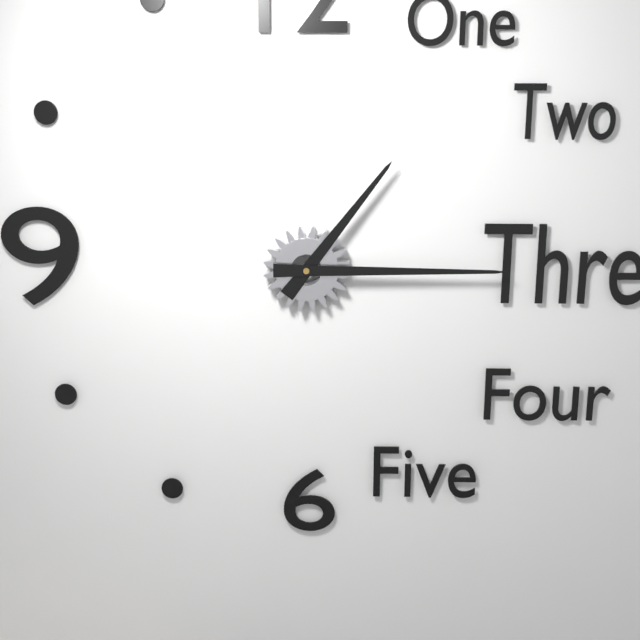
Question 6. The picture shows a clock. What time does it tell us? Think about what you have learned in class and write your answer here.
1:15
